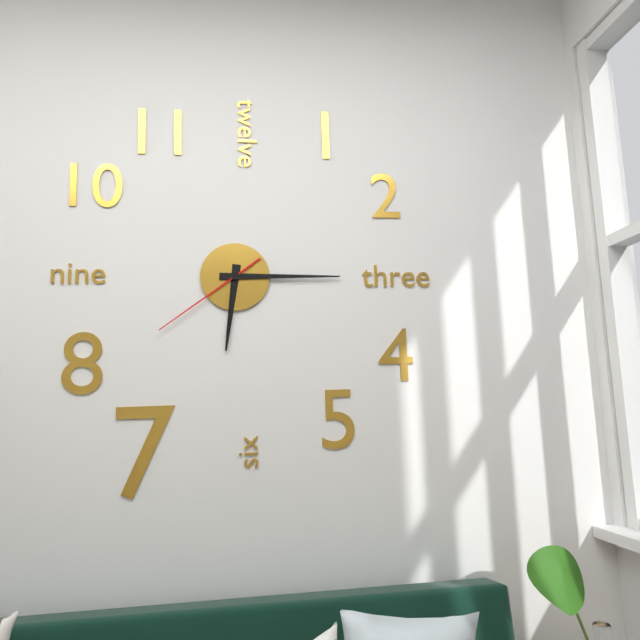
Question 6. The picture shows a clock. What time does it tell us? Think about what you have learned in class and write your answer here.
6:15:39
